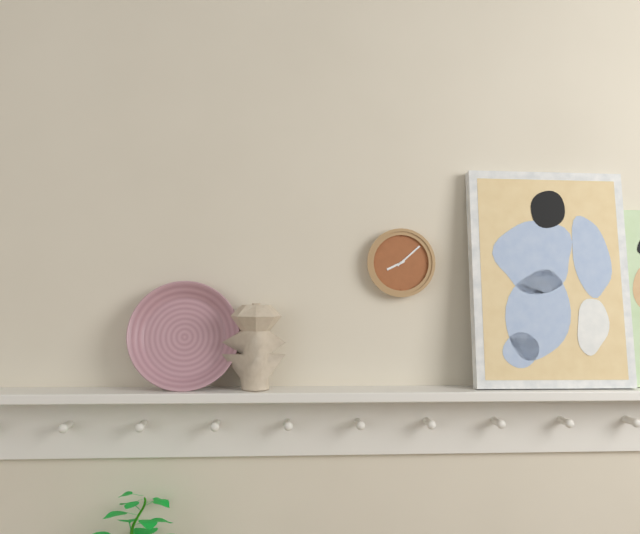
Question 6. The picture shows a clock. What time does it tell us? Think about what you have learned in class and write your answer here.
8:08
